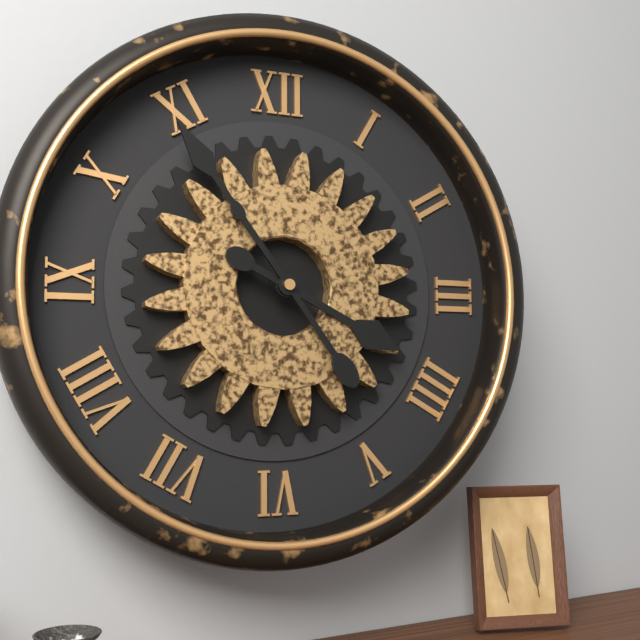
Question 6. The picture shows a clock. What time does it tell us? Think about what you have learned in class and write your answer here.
3:54
